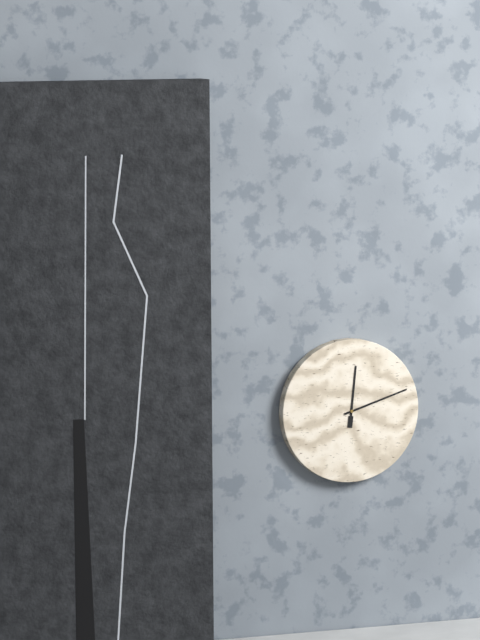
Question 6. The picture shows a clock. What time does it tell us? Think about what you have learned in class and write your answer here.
12:12
